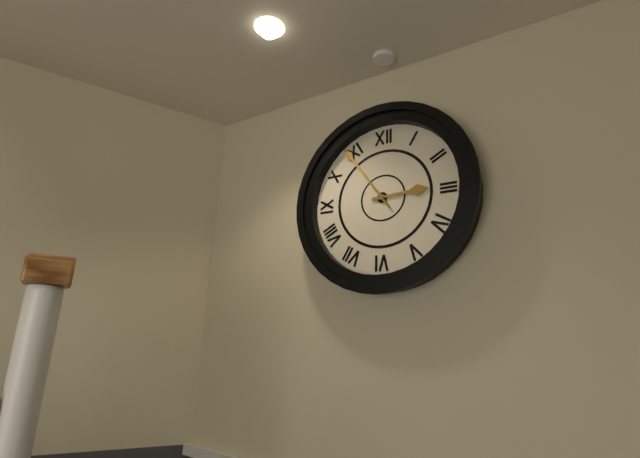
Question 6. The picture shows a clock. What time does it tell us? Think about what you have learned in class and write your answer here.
2:54
